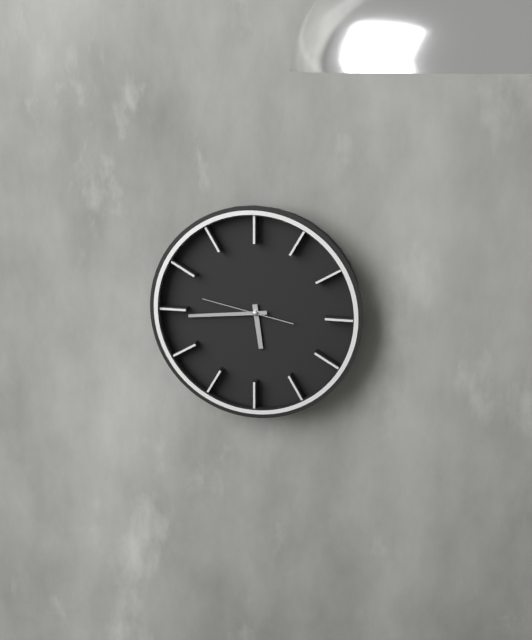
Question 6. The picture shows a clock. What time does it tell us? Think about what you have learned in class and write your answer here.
5:44:47
